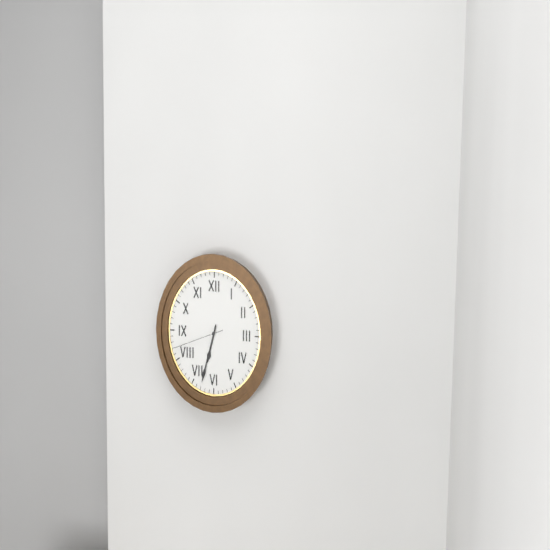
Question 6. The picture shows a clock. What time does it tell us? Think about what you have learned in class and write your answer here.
6:33:42
